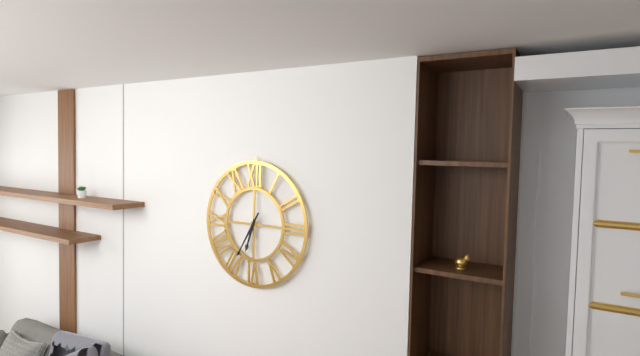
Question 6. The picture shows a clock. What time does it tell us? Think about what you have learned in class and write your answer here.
6:35
